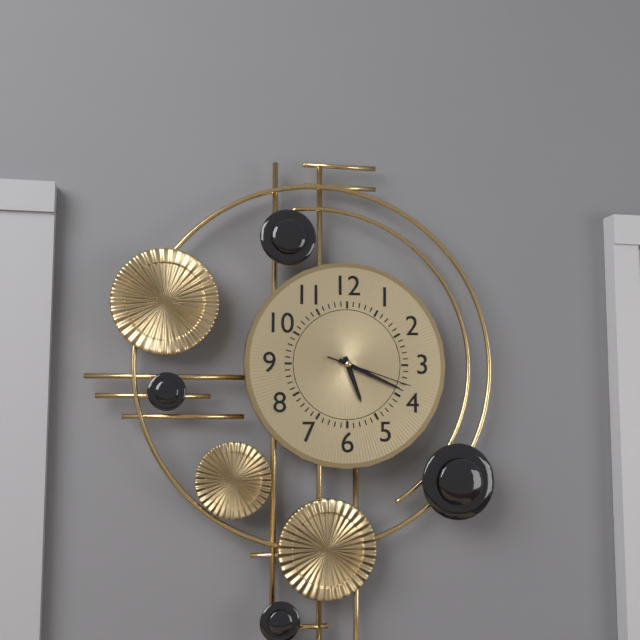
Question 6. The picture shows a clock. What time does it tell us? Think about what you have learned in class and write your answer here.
5:19:18
